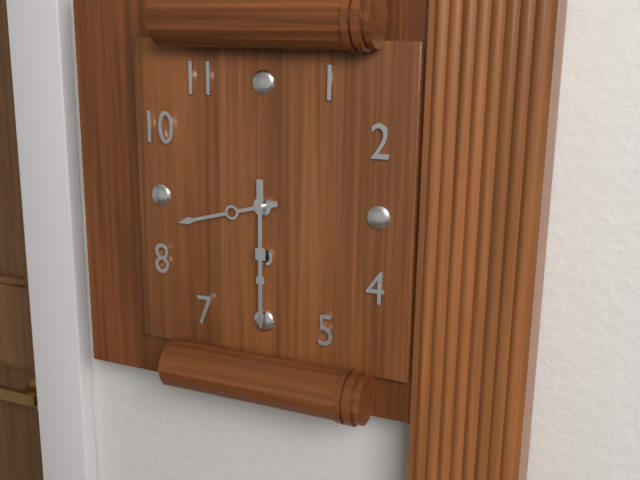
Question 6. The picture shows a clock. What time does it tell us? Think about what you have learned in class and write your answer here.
8:30
